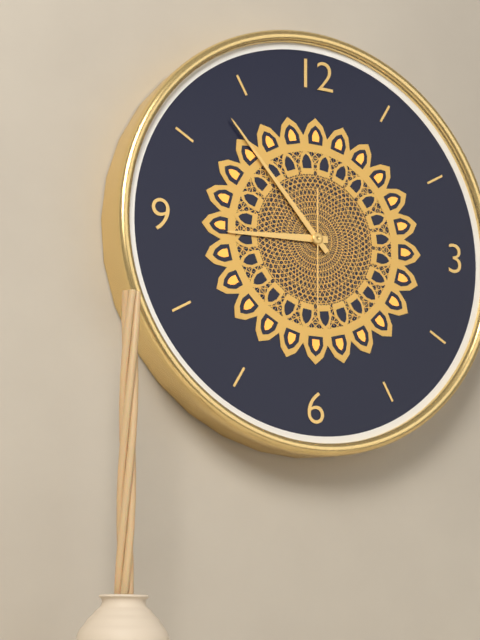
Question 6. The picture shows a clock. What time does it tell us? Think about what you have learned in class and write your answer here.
8:53:30
